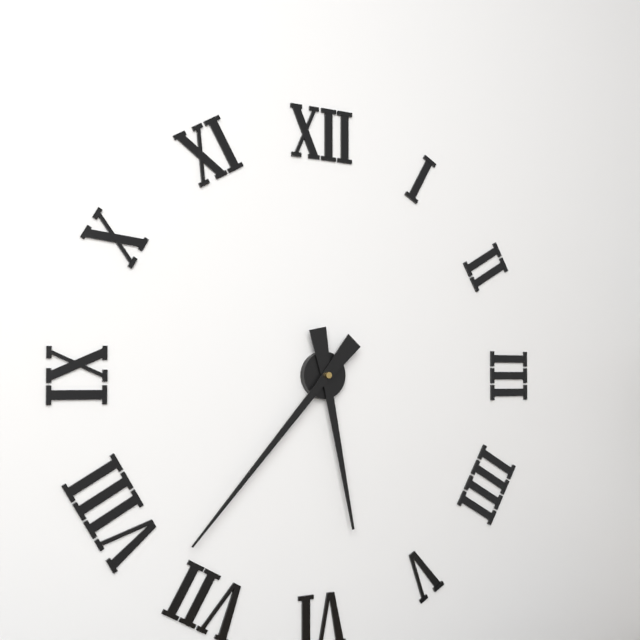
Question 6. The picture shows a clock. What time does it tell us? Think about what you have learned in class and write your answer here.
5:37
